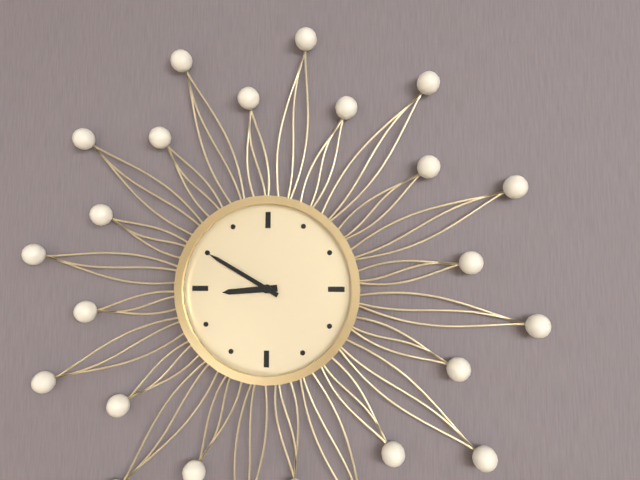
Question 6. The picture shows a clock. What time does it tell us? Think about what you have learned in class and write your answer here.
8:50
